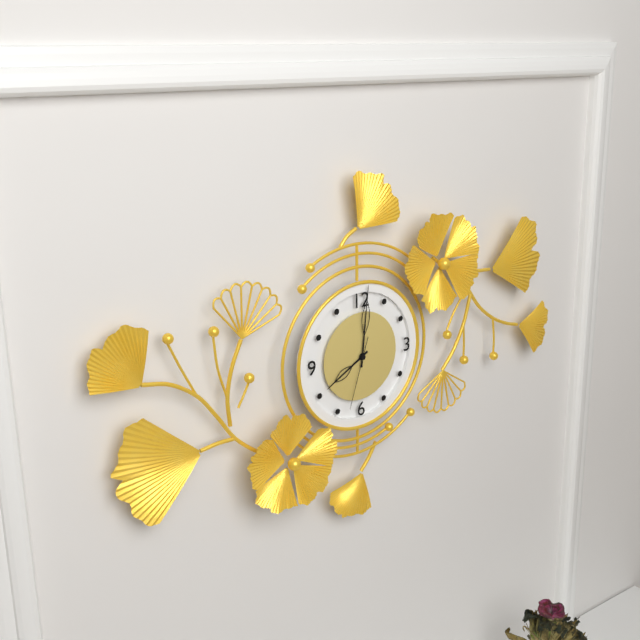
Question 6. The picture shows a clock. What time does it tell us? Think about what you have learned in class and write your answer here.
8:01:33
